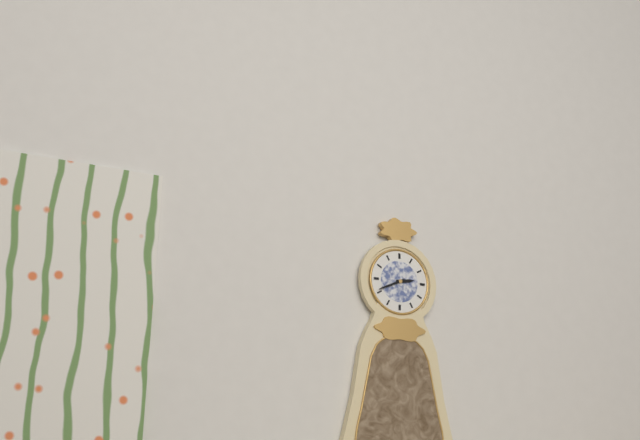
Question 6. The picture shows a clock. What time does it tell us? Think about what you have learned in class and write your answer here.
2:41
